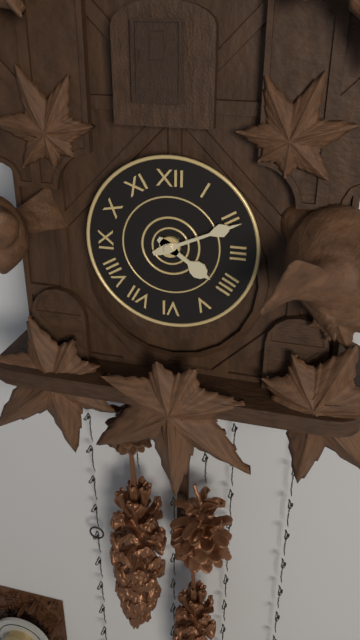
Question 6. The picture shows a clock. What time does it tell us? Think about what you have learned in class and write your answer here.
4:11
